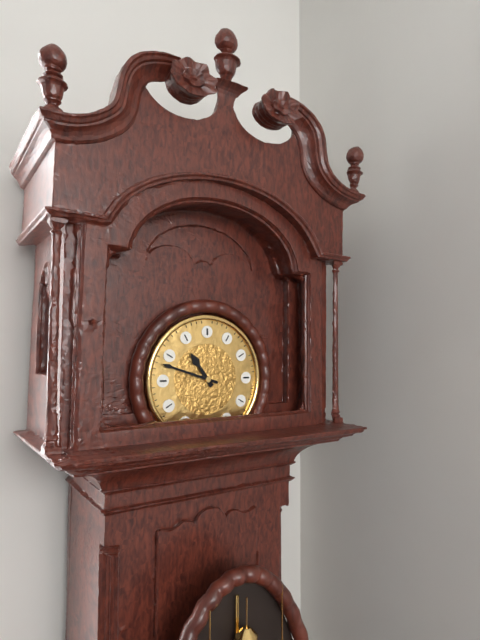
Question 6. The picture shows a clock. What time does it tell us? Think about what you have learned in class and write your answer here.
10:48
